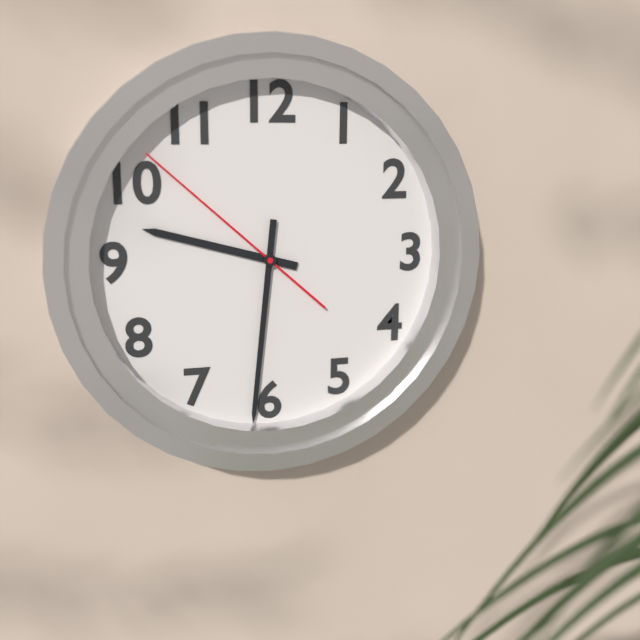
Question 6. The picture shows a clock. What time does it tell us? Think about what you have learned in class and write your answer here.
9:31:52
